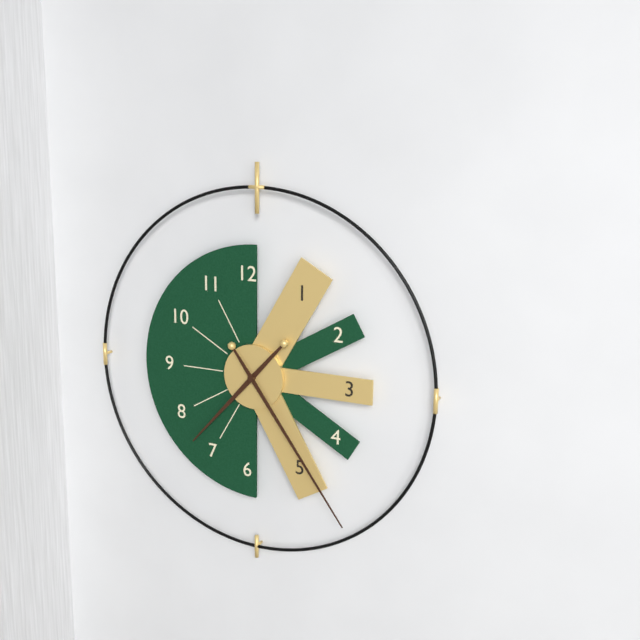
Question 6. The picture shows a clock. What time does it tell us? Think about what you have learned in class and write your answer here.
7:24
